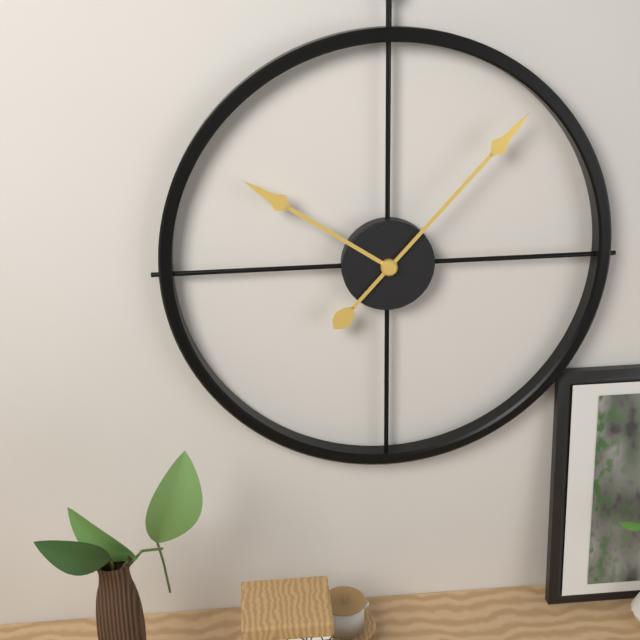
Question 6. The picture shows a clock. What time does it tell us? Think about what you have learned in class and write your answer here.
10:07
